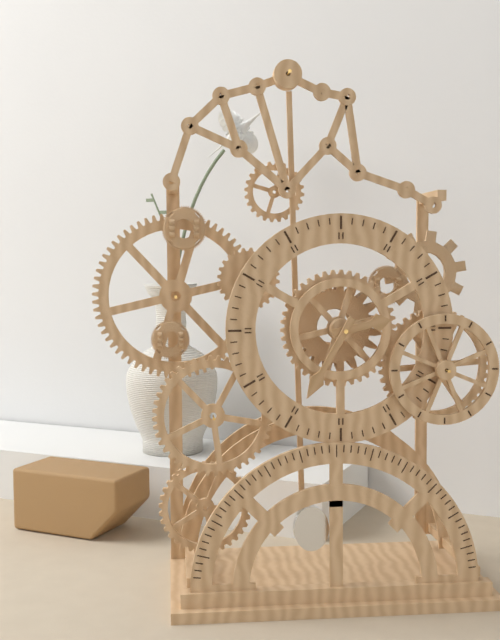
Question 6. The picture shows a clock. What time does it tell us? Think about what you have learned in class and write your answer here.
2:35
